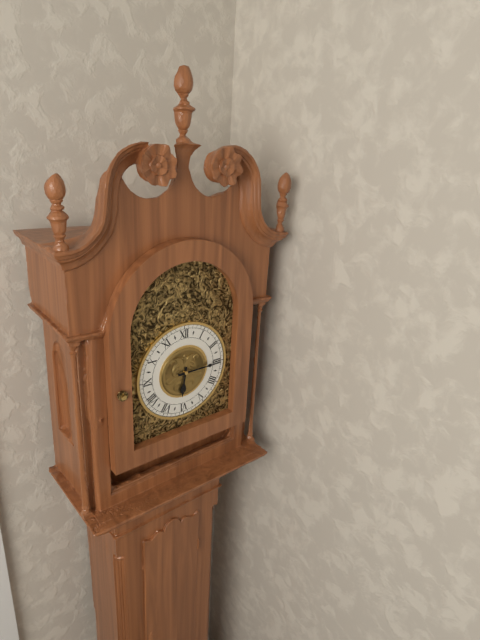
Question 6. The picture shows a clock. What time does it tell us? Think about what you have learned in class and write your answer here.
6:15
